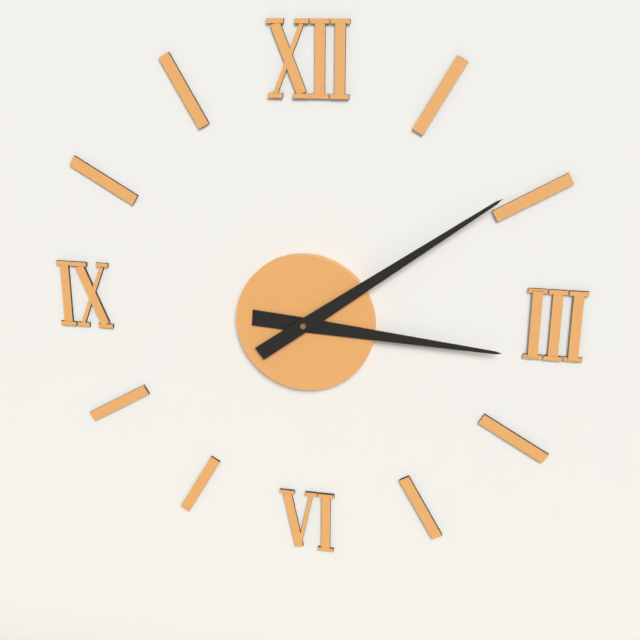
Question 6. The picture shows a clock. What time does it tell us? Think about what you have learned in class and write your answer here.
3:09
